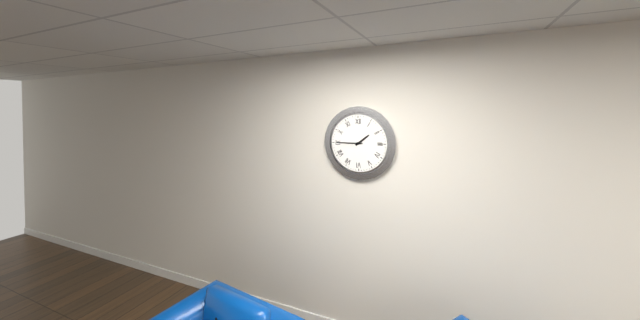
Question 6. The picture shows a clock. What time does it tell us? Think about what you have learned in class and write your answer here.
1:45
